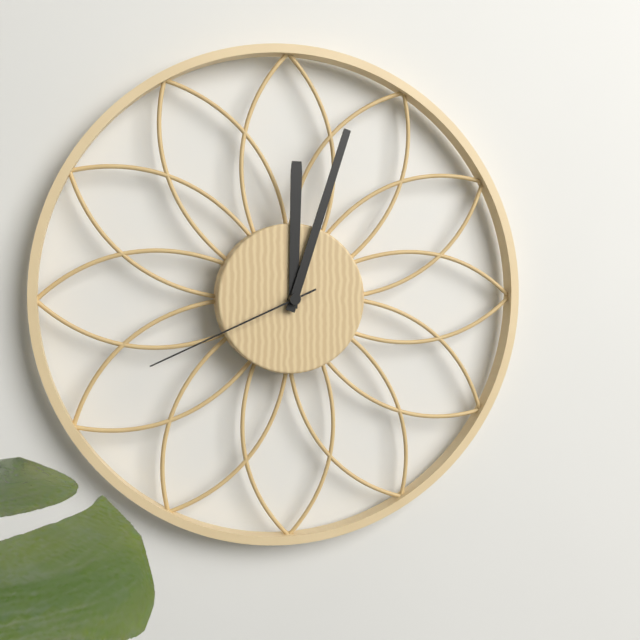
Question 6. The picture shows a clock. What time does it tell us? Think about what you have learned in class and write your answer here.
12:03:41
